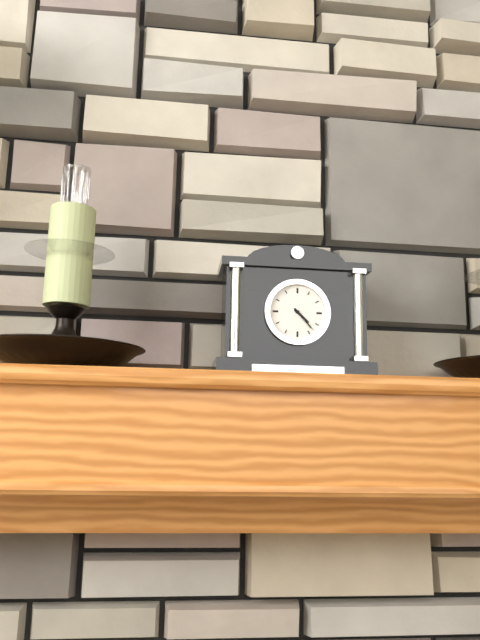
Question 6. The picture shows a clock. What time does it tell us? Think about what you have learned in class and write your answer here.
4:23
